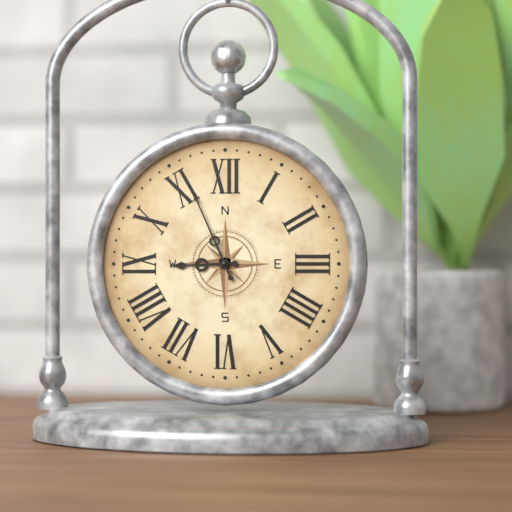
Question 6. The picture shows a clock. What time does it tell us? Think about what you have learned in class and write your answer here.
8:56
